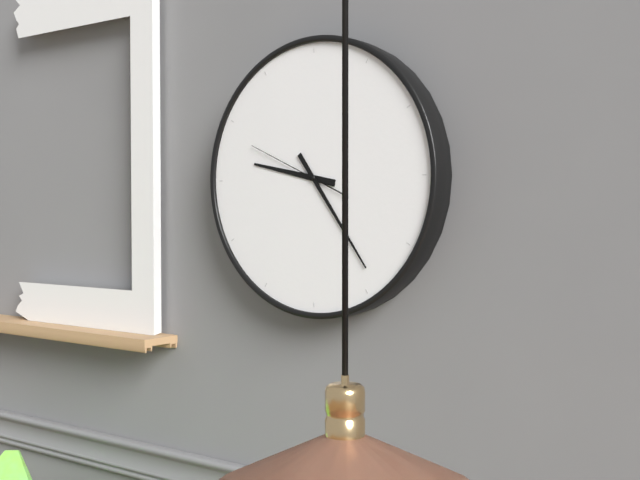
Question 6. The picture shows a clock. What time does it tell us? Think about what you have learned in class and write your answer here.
9:24:49
